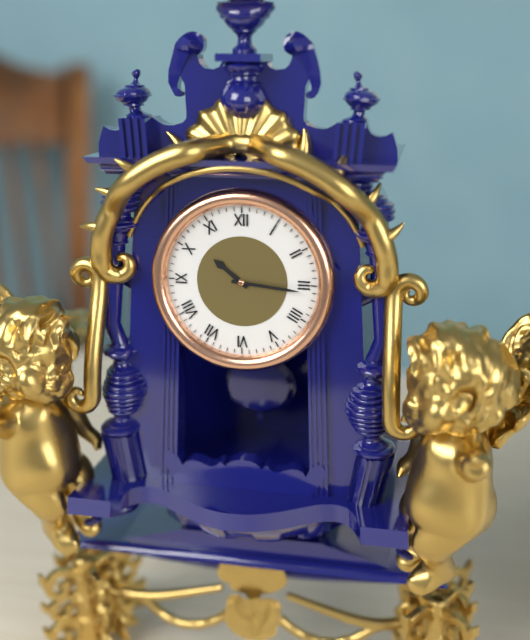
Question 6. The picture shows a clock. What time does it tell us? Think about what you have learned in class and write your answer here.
10:16
